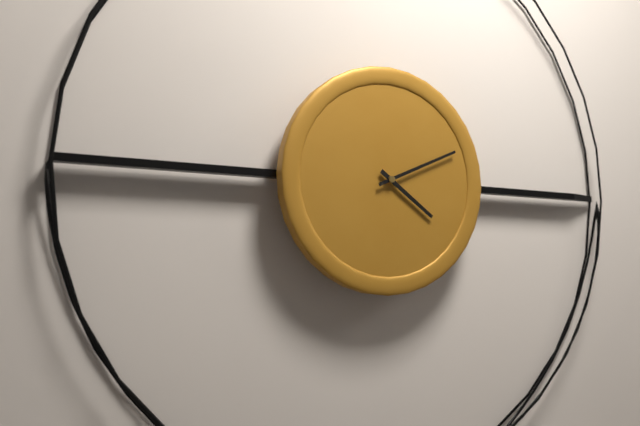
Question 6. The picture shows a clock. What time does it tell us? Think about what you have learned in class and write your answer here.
4:11
